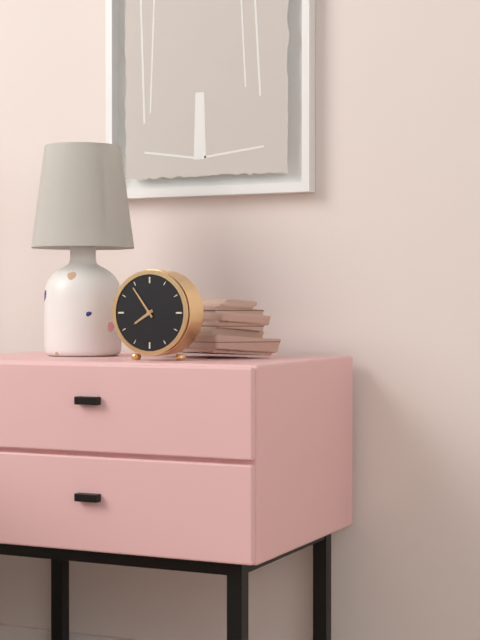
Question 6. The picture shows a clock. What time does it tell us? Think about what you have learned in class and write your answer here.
7:54
